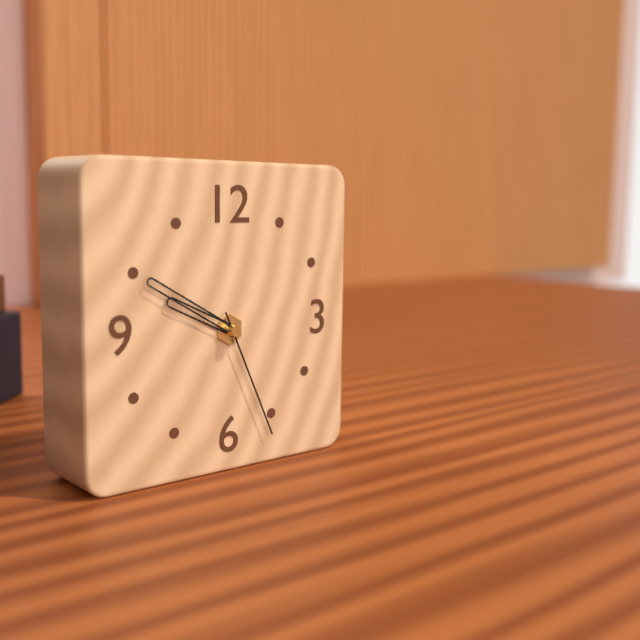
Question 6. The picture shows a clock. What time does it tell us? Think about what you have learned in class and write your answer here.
9:50:26
